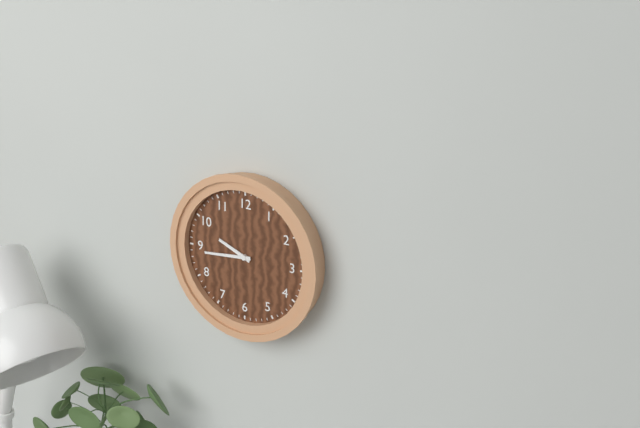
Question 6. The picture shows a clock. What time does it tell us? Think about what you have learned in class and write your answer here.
9:44
